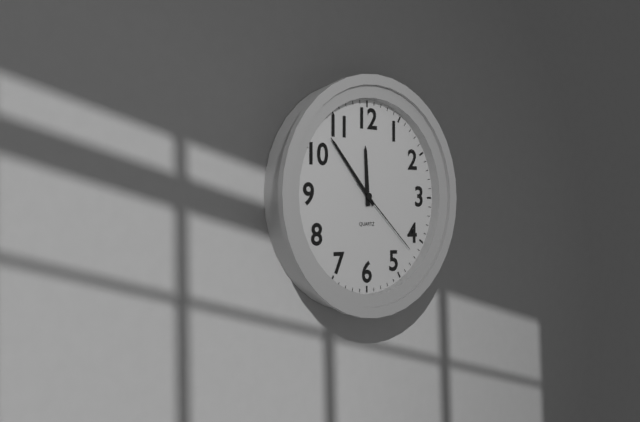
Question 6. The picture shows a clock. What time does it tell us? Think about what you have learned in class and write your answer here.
11:53:22
